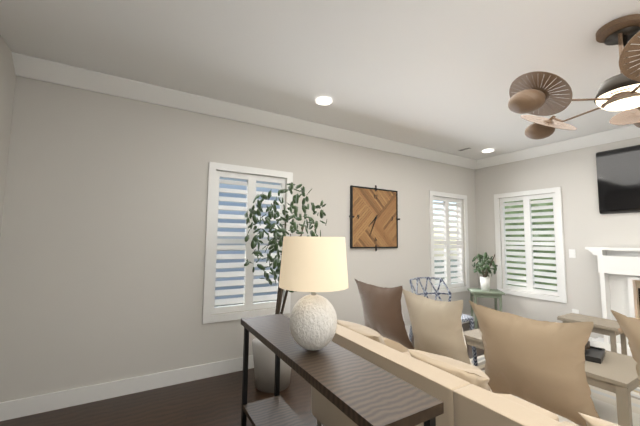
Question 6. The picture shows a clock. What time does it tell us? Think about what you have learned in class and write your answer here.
7:34
